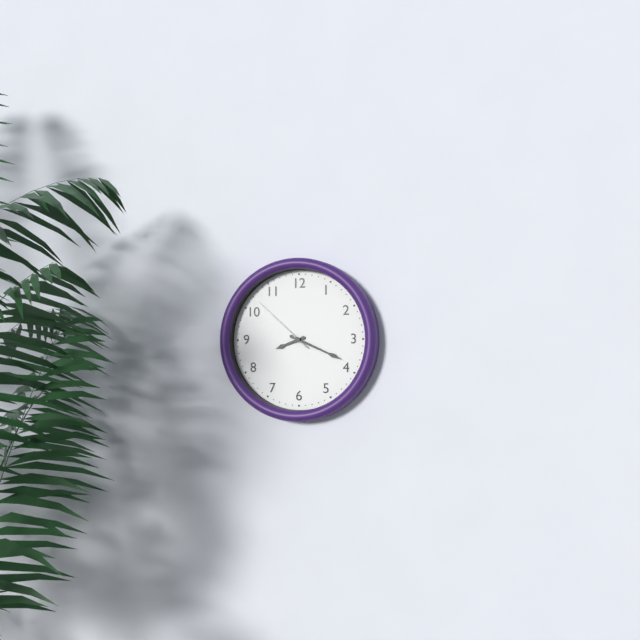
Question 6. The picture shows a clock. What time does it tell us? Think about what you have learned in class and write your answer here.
8:19:52
